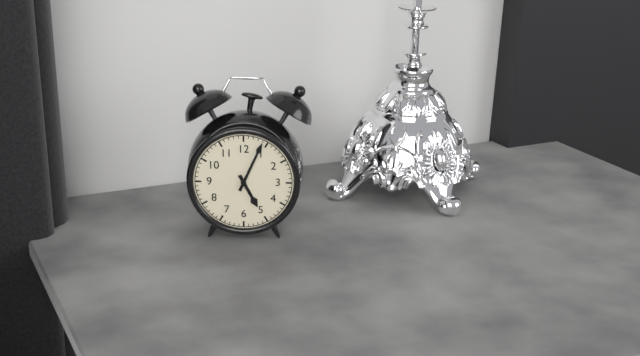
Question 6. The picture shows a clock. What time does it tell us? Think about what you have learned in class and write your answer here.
5:04
